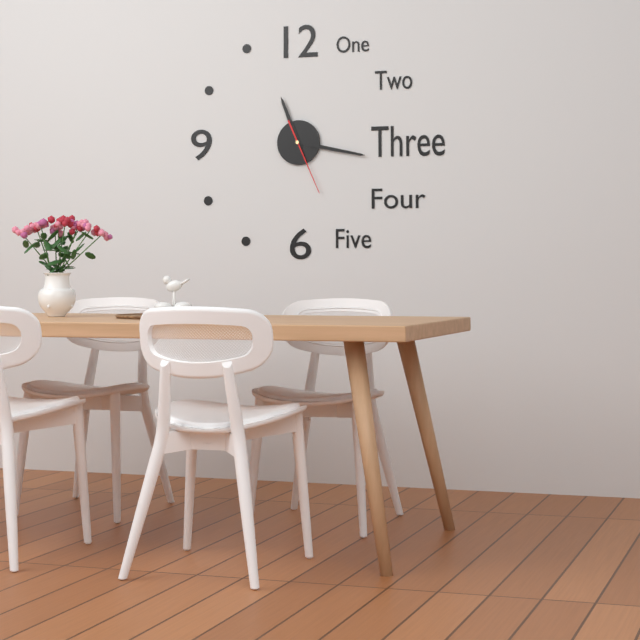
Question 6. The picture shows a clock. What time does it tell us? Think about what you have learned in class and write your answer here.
11:17:26
